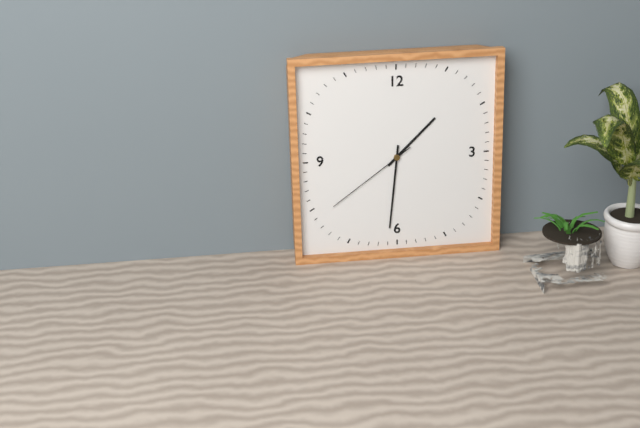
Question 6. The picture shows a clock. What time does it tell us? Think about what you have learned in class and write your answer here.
1:31:39
